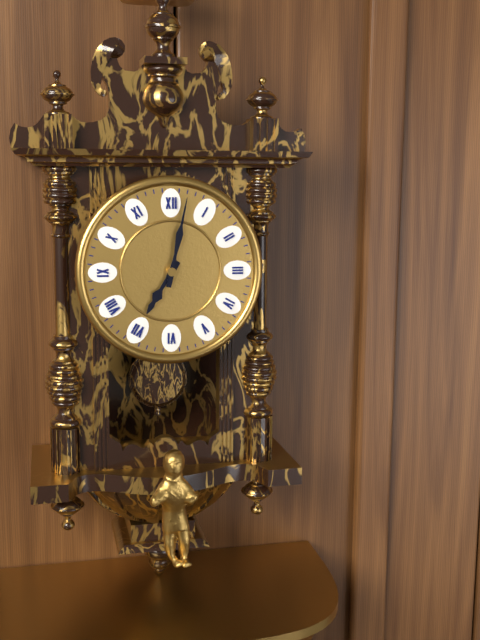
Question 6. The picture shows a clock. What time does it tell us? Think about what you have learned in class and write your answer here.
7:02
